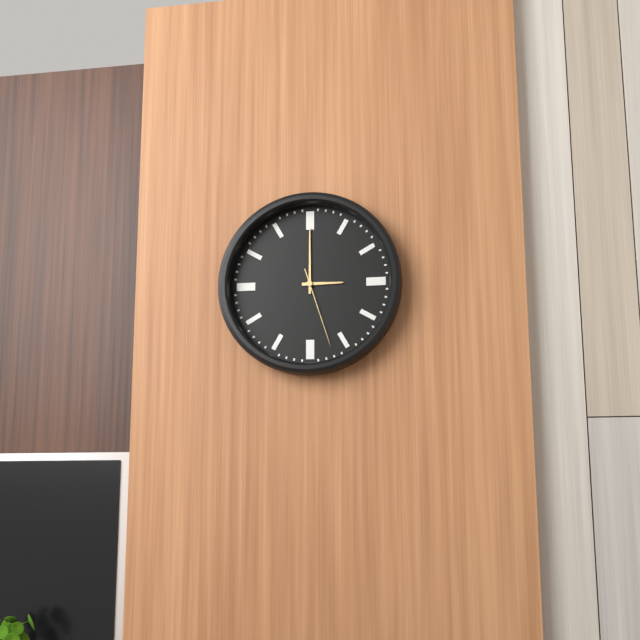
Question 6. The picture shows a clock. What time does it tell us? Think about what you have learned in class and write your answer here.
3:00:27
